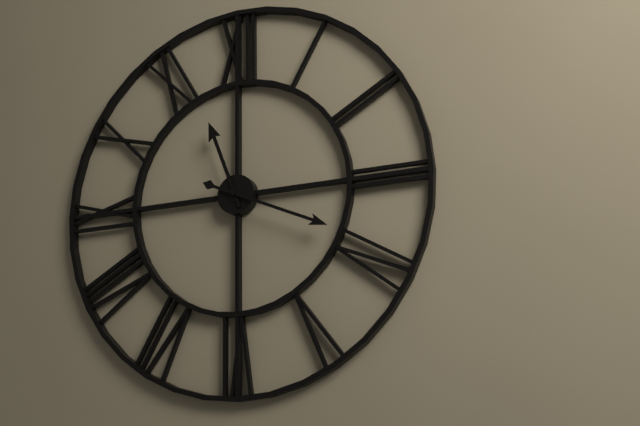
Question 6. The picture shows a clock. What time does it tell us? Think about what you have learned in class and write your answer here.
11:19
